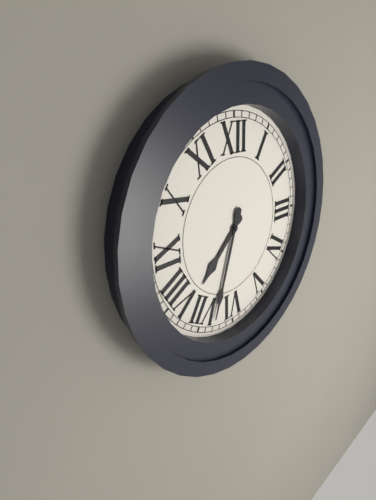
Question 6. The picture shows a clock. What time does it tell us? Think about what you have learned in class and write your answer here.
7:33
